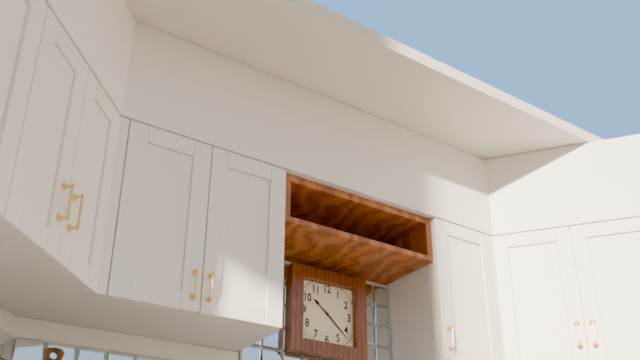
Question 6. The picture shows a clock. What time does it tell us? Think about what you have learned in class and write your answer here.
10:22
